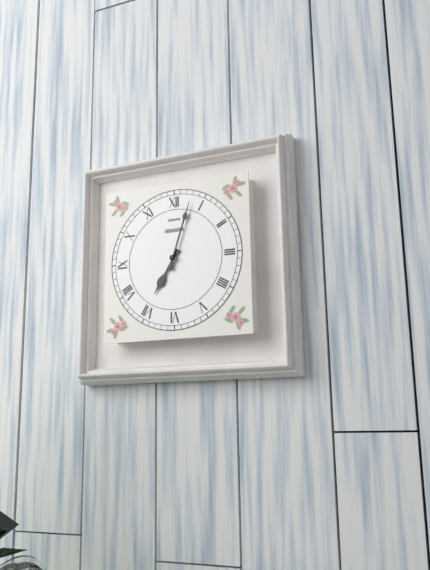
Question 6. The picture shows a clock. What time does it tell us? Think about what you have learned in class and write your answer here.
7:03
